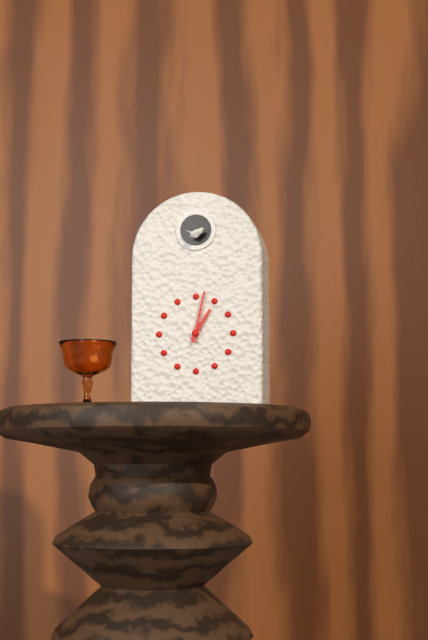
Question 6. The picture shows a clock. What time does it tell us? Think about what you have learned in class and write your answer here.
1:02
